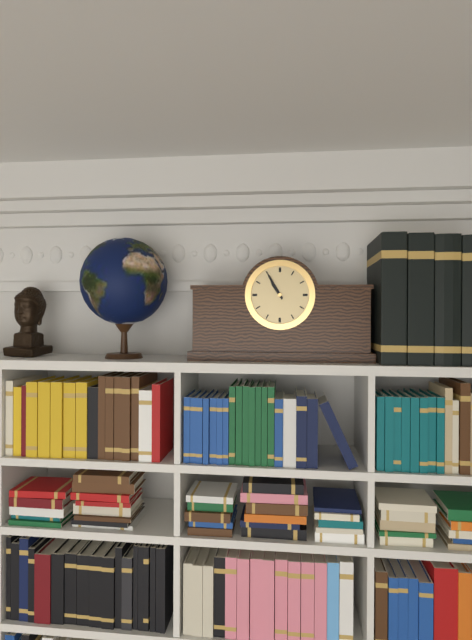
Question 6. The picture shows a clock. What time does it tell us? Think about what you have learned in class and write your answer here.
10:55
